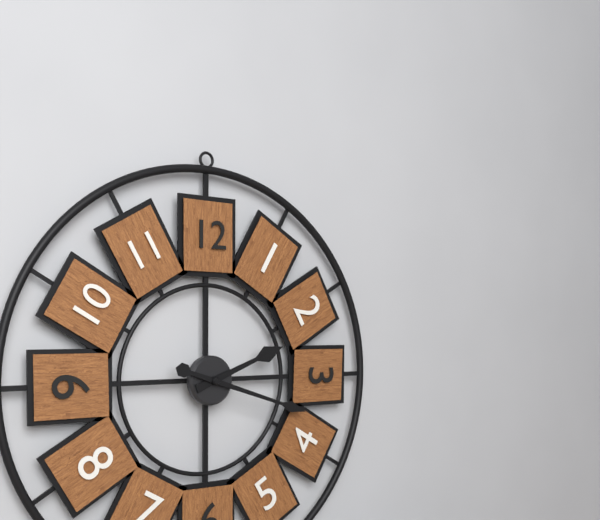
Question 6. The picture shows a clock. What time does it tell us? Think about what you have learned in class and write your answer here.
2:18
